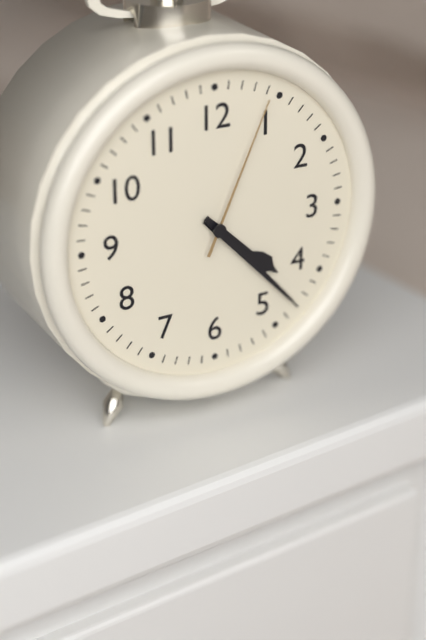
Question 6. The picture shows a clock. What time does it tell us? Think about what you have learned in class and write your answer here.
4:23:04
